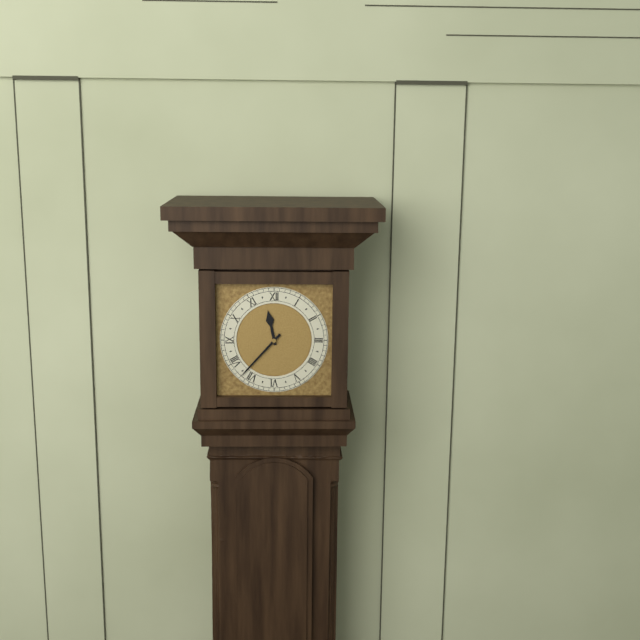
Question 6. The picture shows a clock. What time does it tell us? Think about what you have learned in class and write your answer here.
11:37
